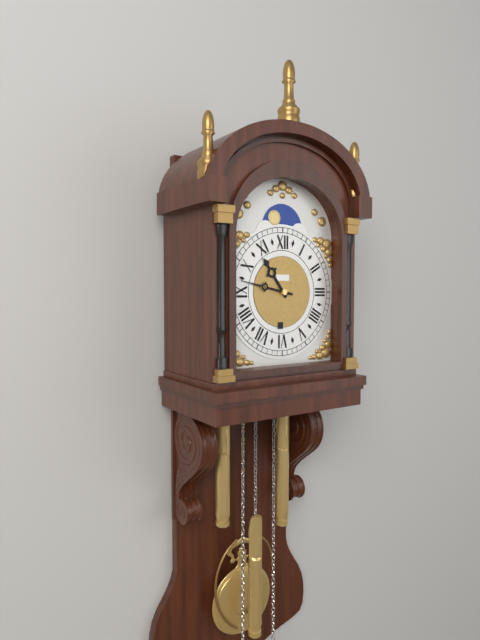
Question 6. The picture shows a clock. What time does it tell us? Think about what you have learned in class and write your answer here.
10:47
